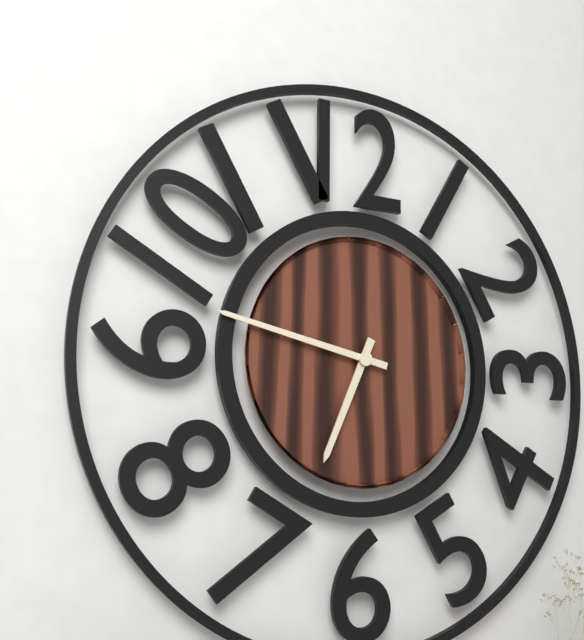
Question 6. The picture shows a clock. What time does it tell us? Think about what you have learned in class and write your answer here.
6:47
